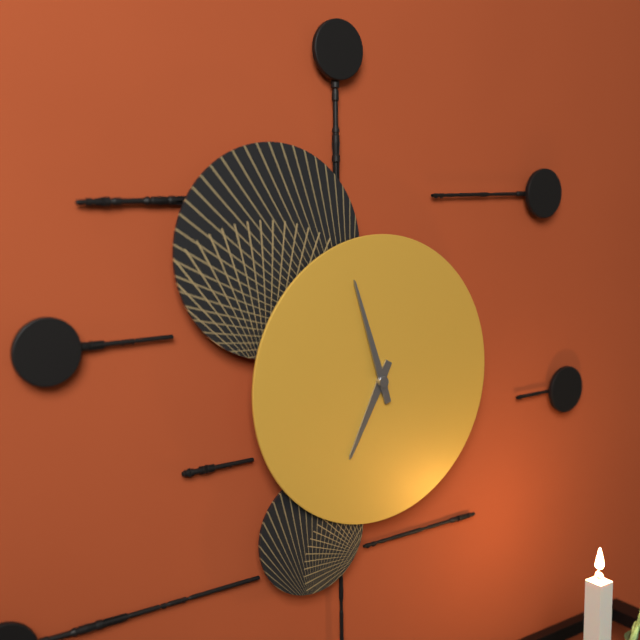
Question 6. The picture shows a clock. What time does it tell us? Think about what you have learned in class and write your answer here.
6:57
